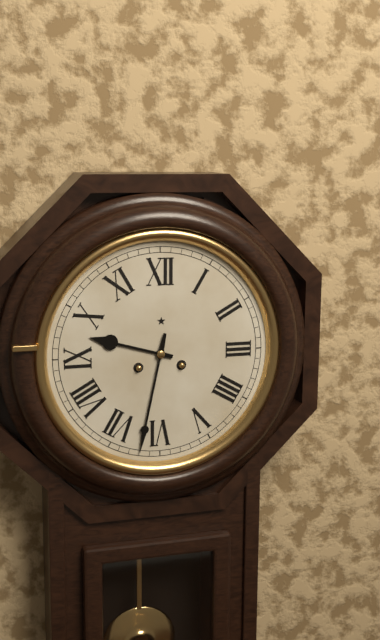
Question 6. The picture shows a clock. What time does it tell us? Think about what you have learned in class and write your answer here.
9:32
